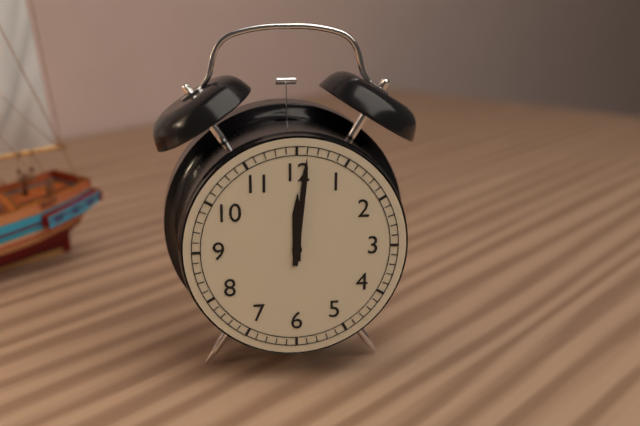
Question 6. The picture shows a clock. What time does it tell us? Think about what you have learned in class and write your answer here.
12:01
